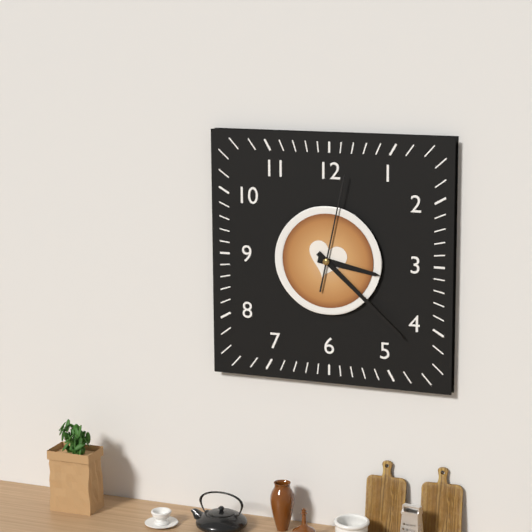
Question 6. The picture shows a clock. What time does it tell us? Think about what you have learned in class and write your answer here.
3:22:02
